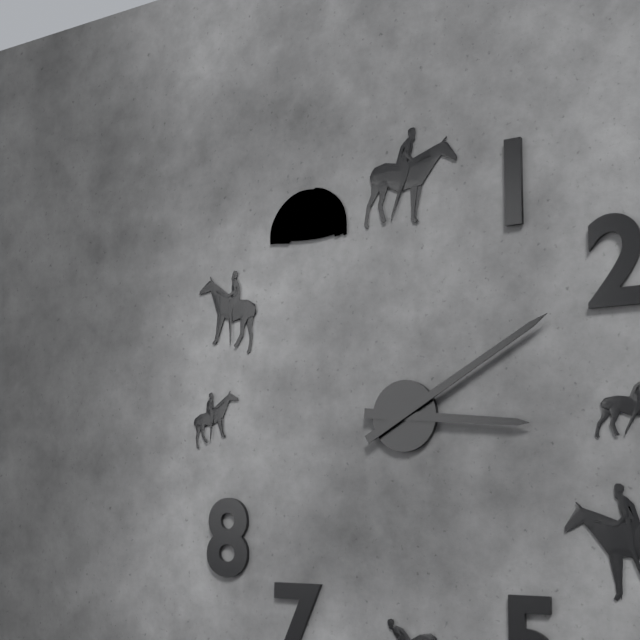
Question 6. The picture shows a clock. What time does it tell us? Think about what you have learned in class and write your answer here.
3:10
